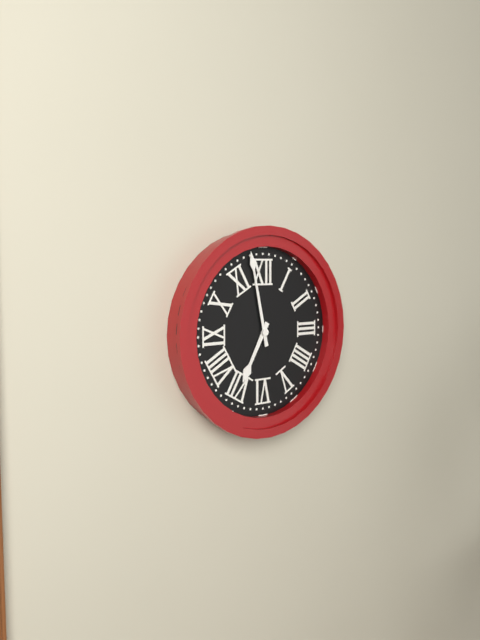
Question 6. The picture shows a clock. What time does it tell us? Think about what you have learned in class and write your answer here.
6:58
